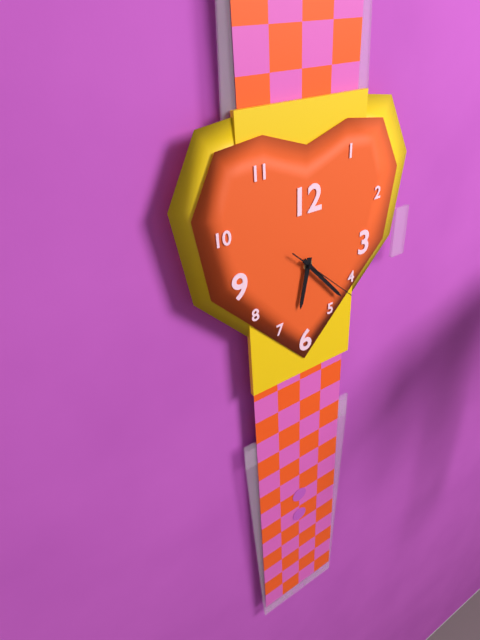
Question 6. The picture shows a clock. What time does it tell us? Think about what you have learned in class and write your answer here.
6:23:22
